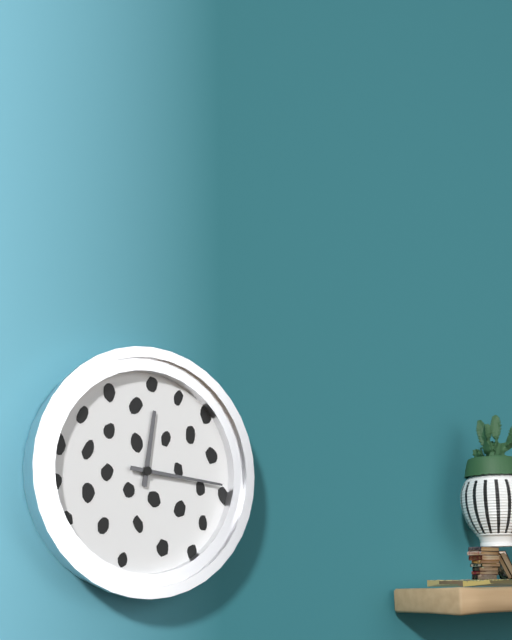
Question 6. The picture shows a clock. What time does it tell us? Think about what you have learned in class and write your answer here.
12:16
